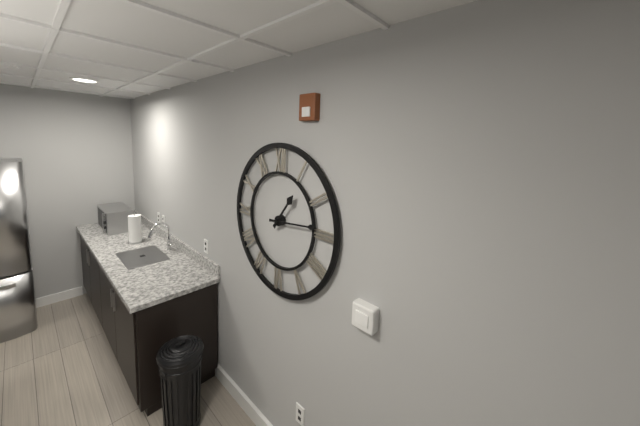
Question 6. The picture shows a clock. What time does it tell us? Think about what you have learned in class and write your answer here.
1:14
